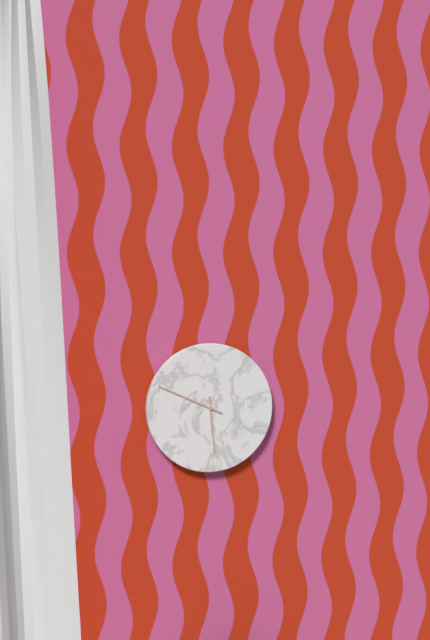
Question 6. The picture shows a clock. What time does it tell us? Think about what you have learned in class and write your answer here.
5:49
